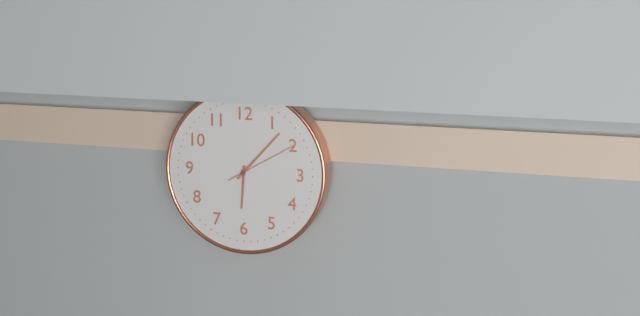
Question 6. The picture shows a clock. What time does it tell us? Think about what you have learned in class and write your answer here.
6:07:10
